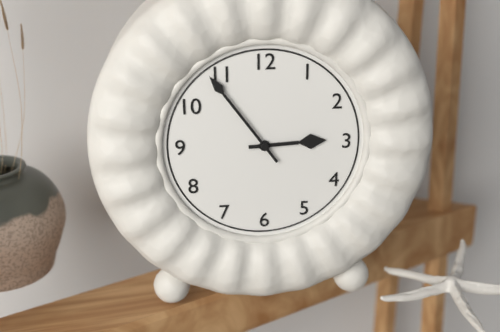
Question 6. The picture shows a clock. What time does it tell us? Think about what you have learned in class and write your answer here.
2:54
